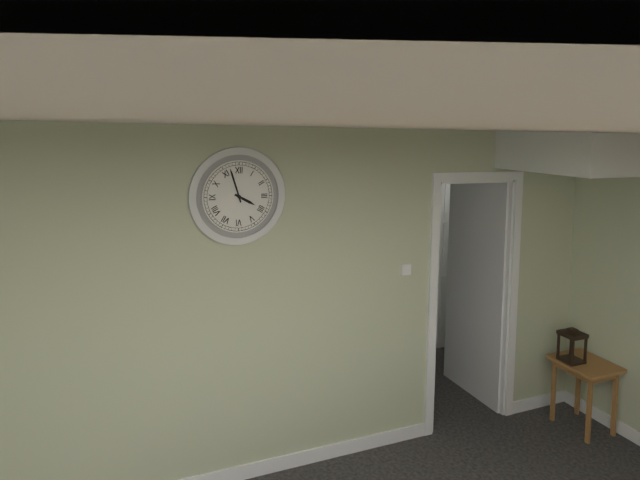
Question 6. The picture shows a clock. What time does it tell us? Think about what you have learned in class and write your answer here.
3:57
